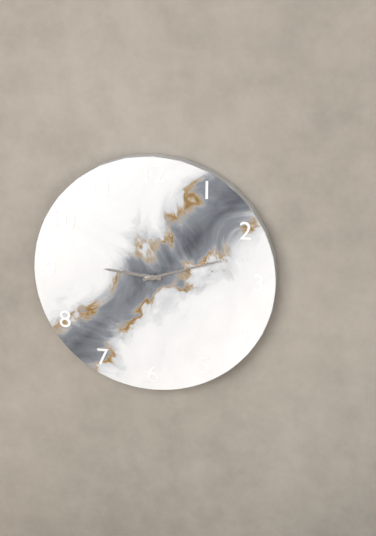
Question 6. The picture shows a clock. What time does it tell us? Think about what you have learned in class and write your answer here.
9:12
